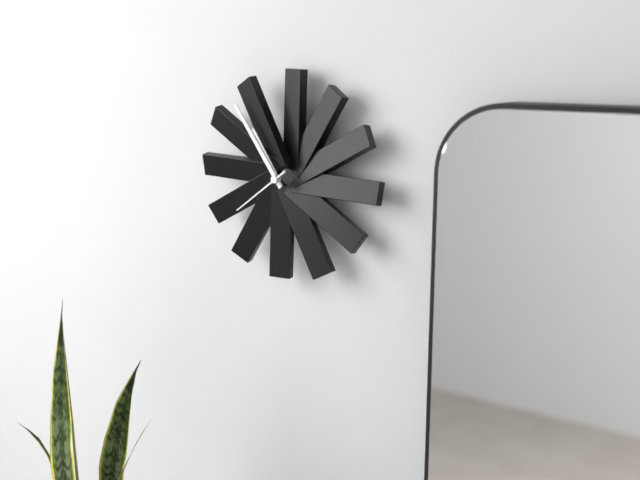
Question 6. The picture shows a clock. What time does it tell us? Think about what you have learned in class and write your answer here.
10:54:39
